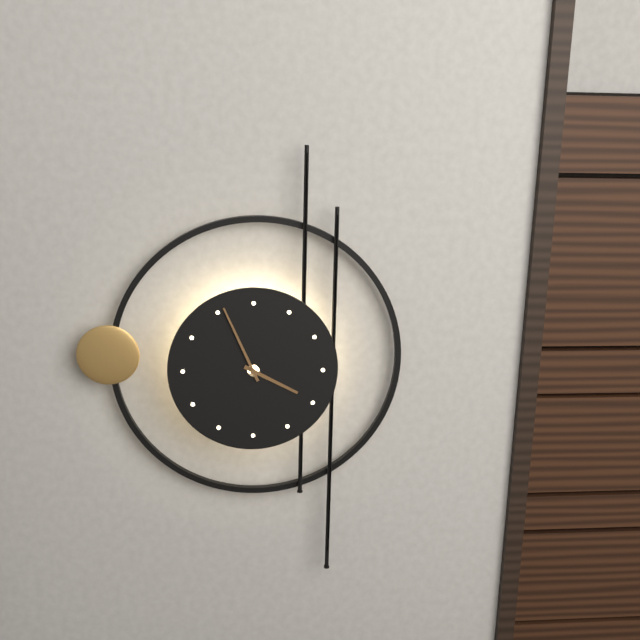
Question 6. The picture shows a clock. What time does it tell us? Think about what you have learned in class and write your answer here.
3:56
